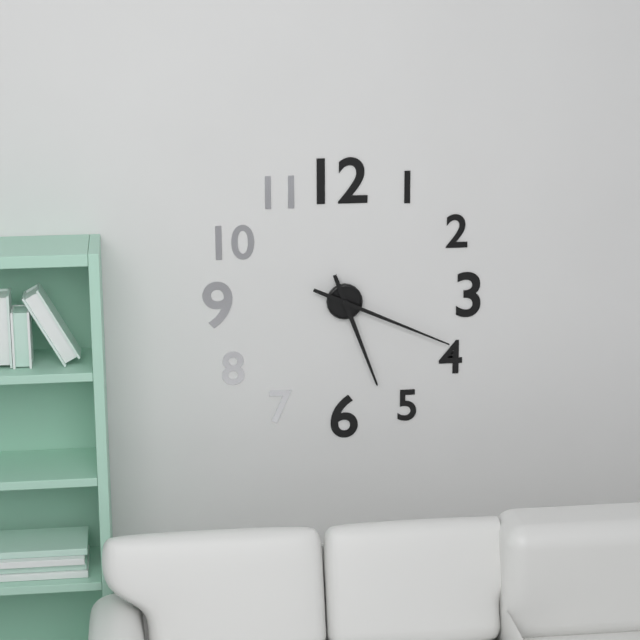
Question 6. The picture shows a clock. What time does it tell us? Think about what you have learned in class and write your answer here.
5:19
